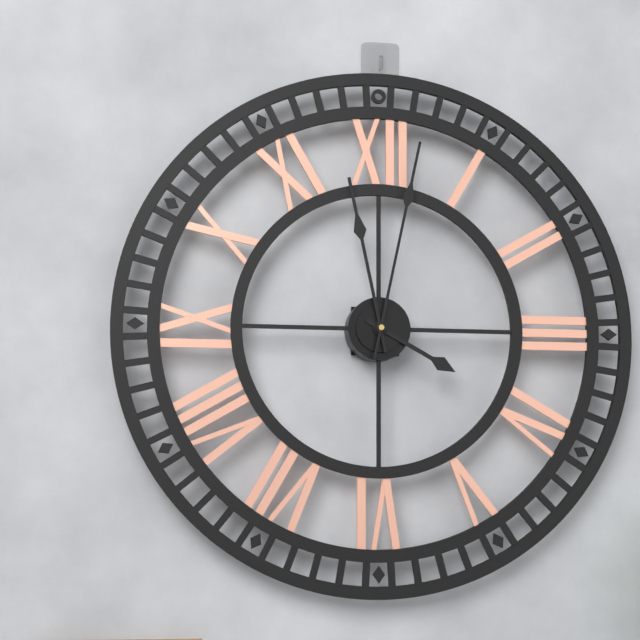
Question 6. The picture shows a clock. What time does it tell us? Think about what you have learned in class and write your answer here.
3:58:02
